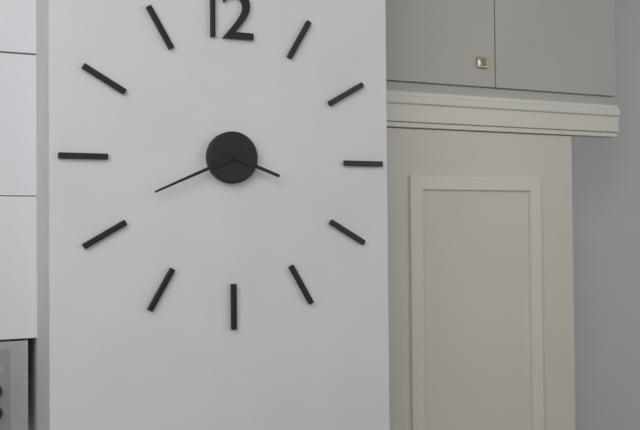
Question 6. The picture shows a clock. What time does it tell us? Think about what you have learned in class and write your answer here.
3:41
